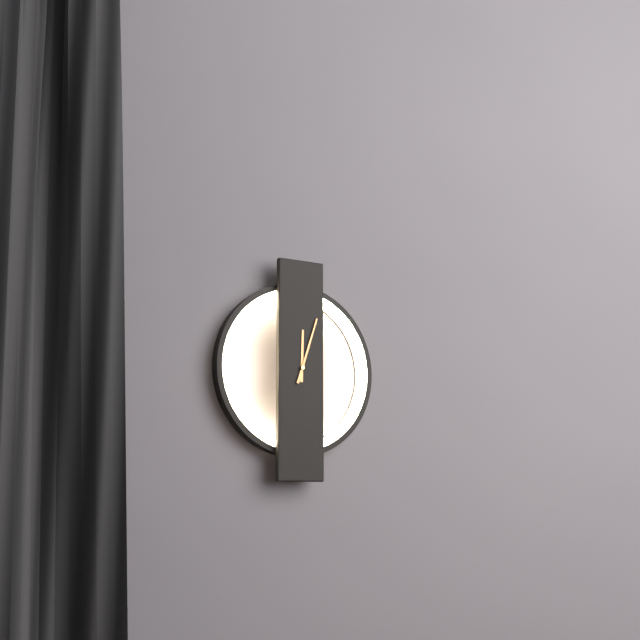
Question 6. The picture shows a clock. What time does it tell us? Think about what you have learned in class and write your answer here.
12:03
